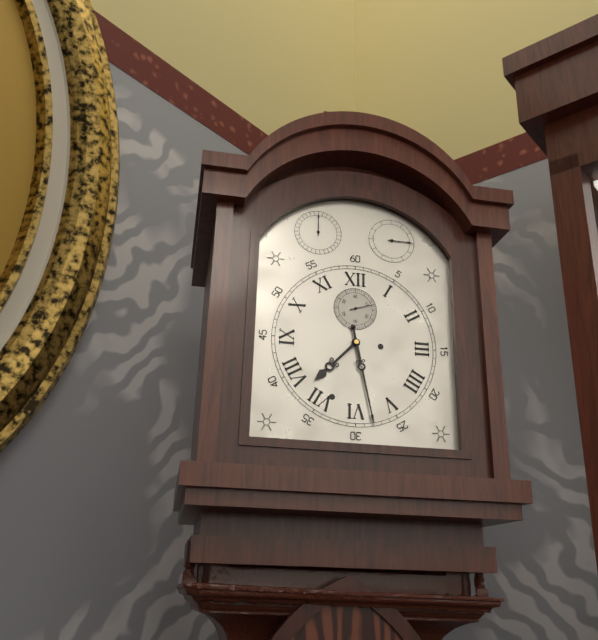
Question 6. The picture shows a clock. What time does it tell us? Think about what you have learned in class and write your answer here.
7:28
